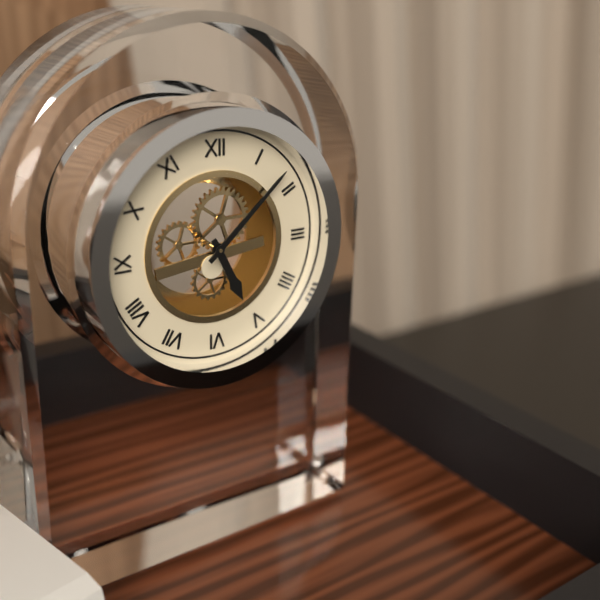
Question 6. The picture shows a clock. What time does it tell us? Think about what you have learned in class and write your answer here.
5:08
